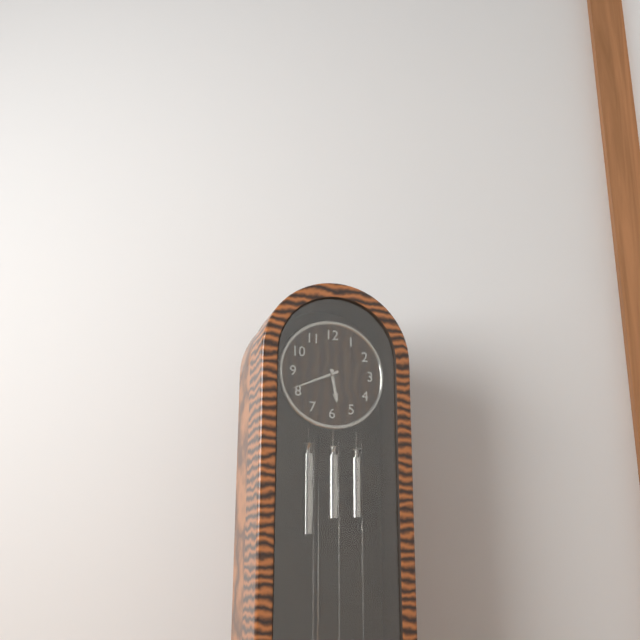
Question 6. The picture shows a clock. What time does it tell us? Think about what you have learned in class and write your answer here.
5:41
